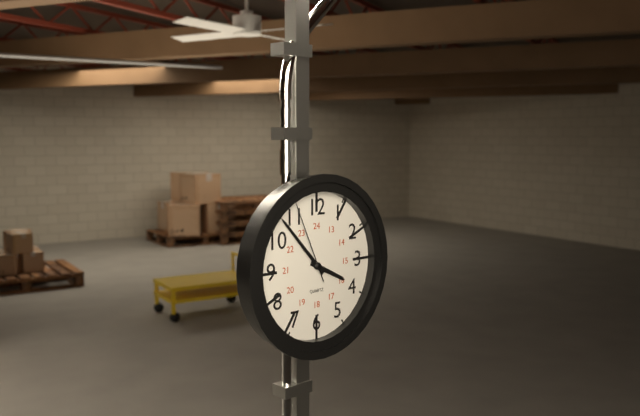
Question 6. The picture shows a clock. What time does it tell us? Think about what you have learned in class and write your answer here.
3:53:56
